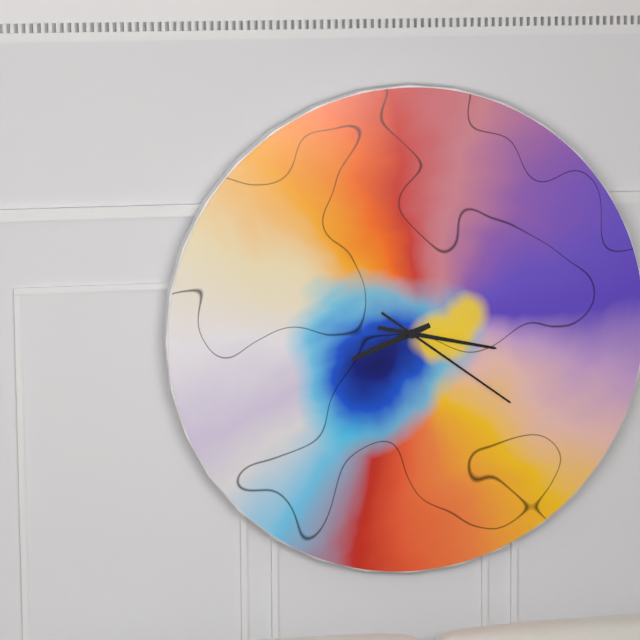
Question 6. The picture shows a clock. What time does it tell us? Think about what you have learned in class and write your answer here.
8:17:21
